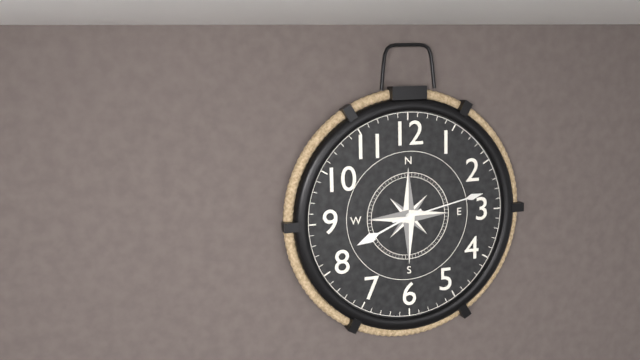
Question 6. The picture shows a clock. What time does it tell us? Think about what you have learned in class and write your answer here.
8:13
